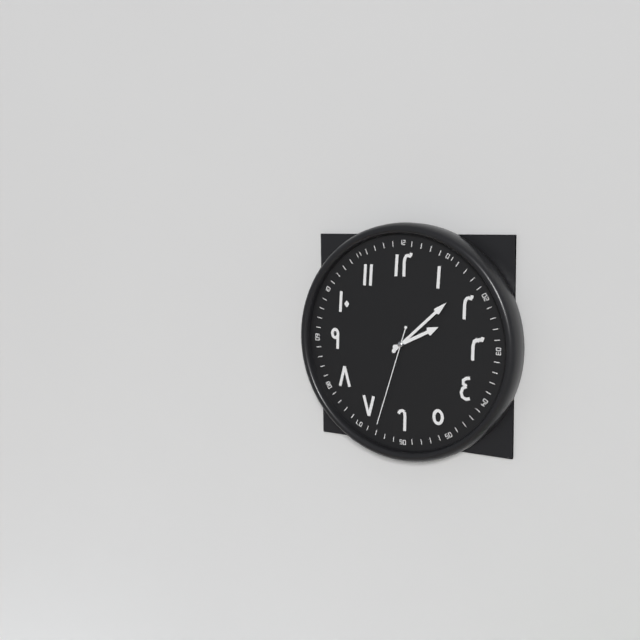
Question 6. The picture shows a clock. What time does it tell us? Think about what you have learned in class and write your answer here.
2:08:33
